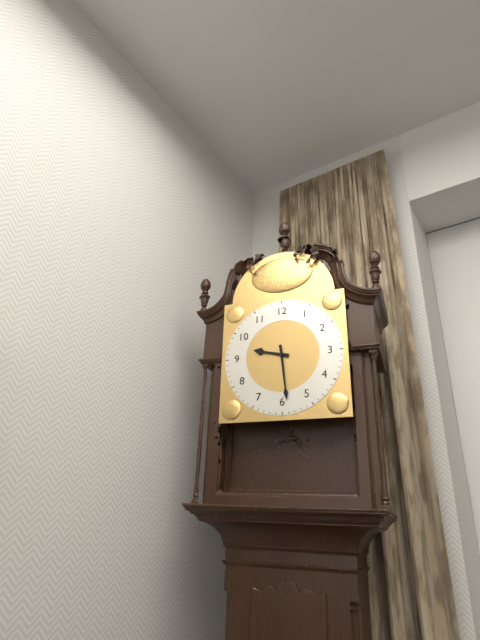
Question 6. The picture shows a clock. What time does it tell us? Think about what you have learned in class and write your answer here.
9:29
